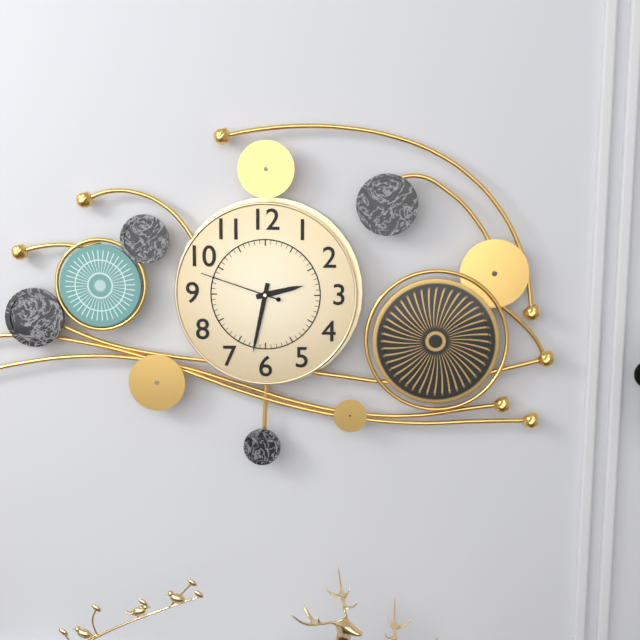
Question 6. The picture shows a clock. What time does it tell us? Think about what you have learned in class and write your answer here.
2:32:48
